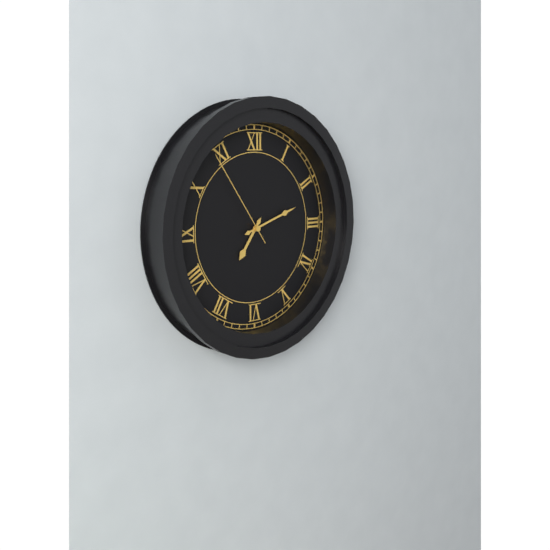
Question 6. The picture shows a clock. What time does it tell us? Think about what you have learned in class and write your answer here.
7:12:54
